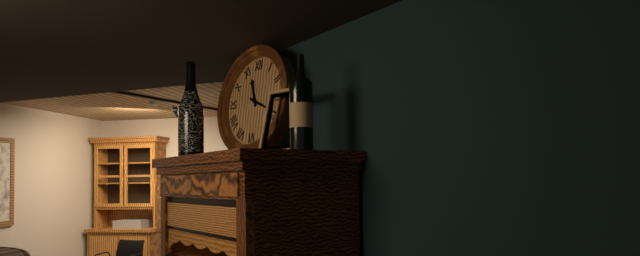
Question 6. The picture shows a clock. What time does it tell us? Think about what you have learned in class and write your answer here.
11:19
